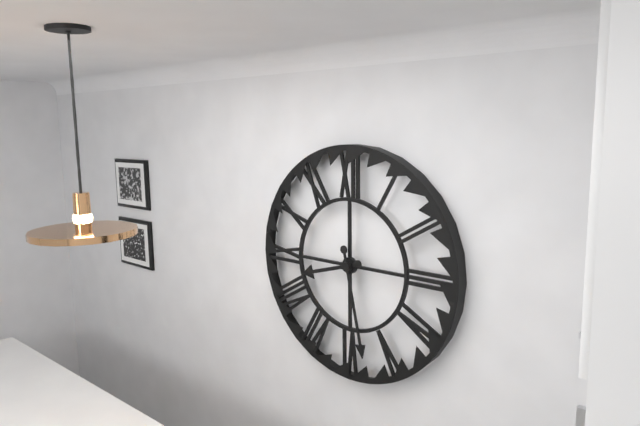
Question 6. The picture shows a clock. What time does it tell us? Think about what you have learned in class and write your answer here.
8:28
